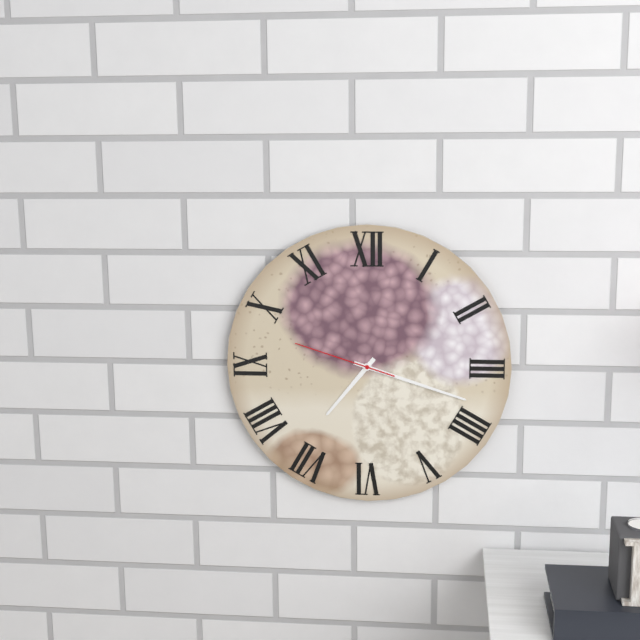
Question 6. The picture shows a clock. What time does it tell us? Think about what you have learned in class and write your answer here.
7:18:48
